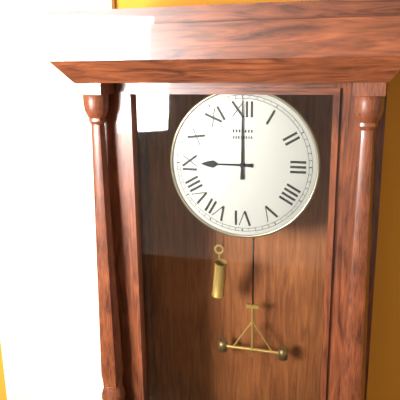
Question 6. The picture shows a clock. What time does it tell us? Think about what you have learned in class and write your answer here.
9:00
